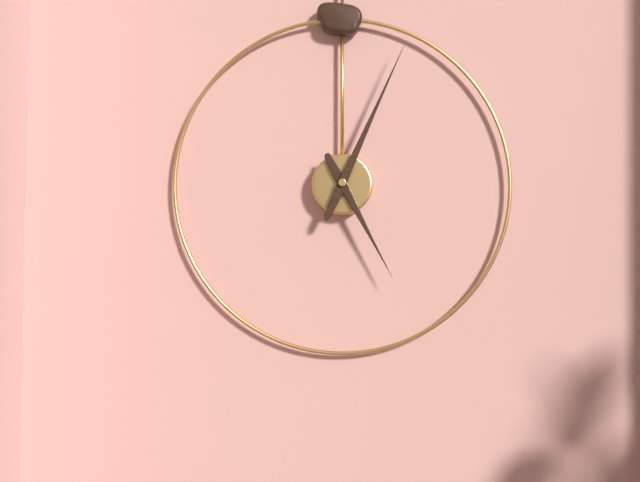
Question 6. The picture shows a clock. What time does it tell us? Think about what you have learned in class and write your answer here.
5:04
